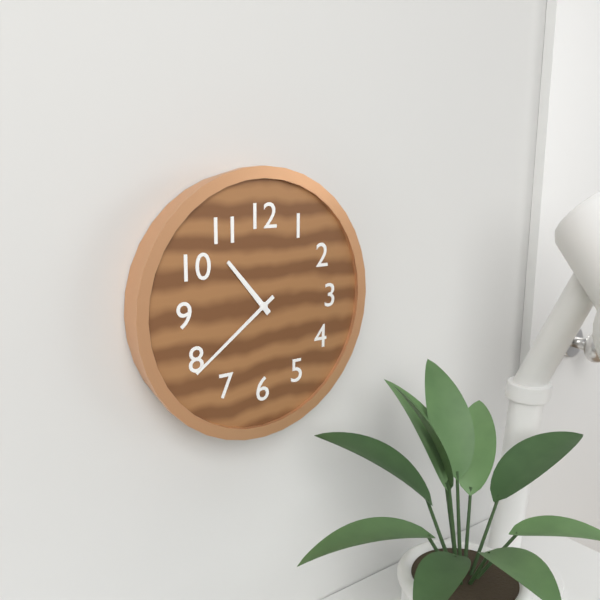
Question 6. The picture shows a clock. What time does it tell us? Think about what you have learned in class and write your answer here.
10:39
